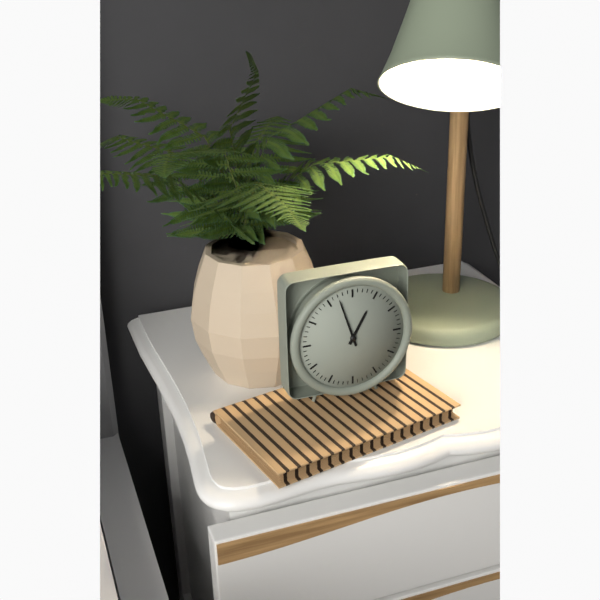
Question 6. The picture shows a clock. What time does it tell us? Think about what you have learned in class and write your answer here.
12:57
